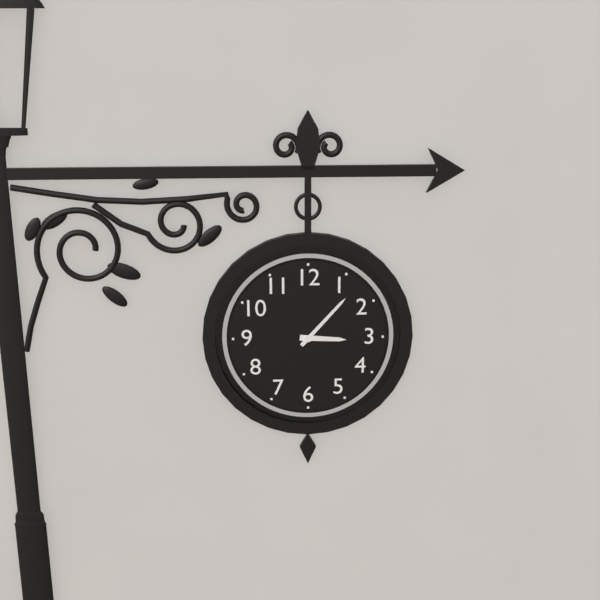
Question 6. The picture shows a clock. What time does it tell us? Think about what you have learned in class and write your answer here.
3:07
